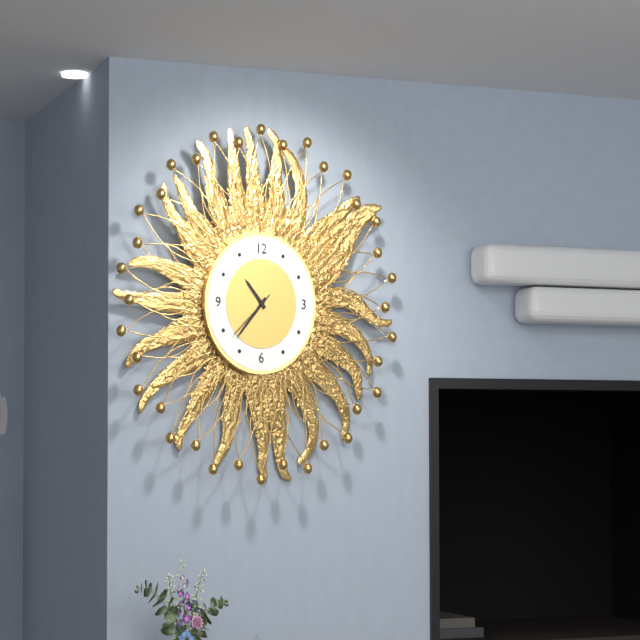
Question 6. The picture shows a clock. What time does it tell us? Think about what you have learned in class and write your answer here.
10:37:38
